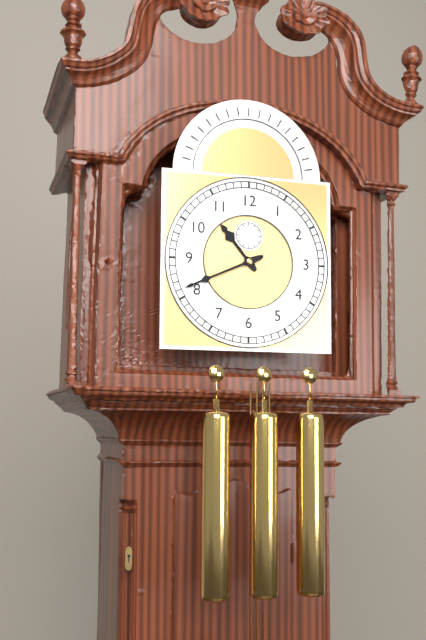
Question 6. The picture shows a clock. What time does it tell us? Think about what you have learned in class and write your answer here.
10:41
